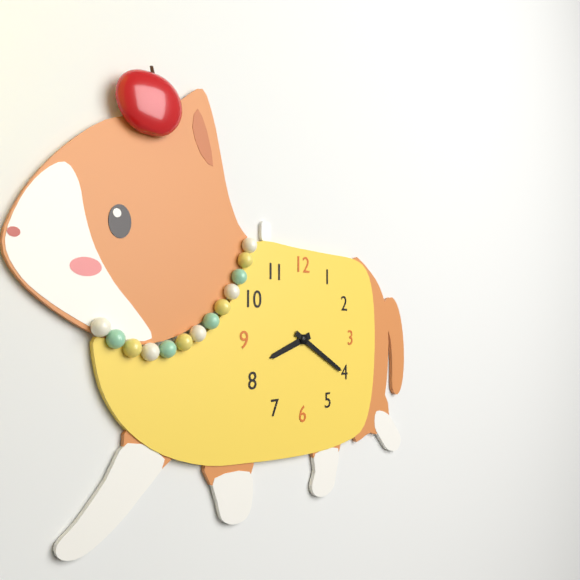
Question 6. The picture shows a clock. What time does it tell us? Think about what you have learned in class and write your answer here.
8:20
